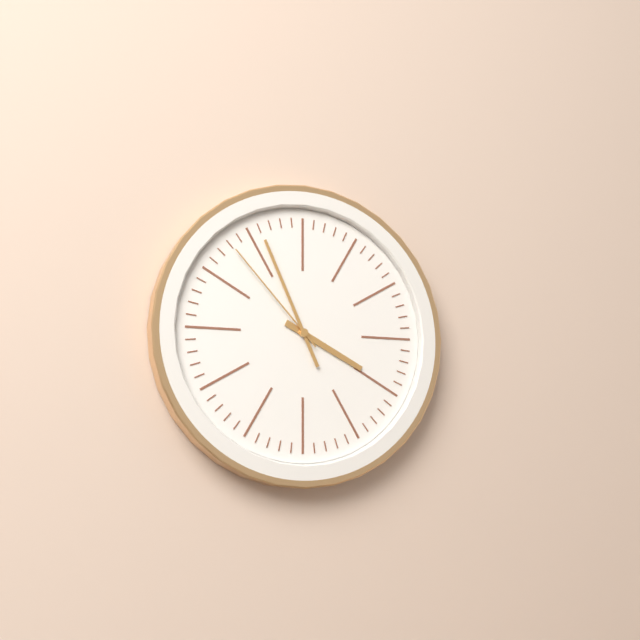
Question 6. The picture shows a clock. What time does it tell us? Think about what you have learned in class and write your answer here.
3:56:53
